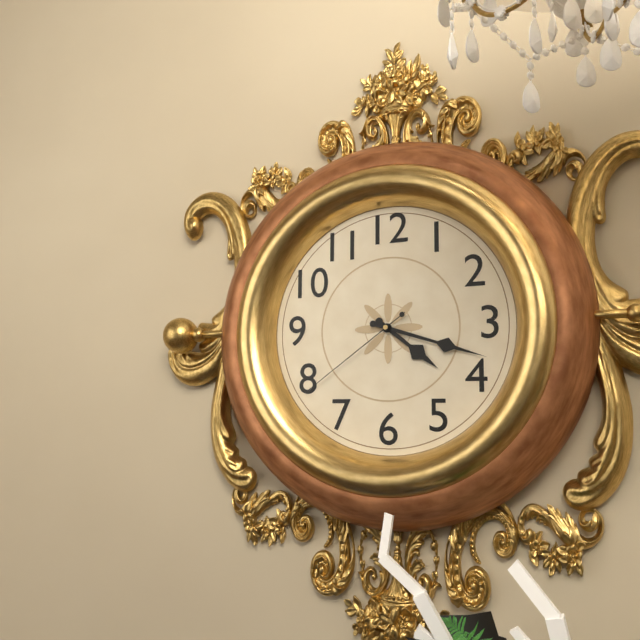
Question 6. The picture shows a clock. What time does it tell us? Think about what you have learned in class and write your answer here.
4:18:39
